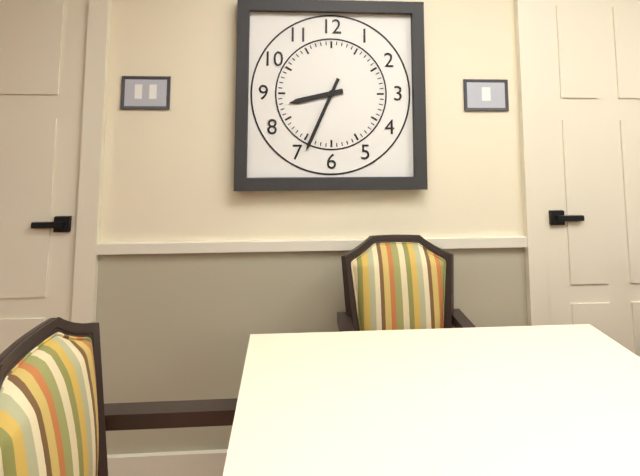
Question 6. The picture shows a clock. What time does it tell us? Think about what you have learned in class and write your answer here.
8:34
